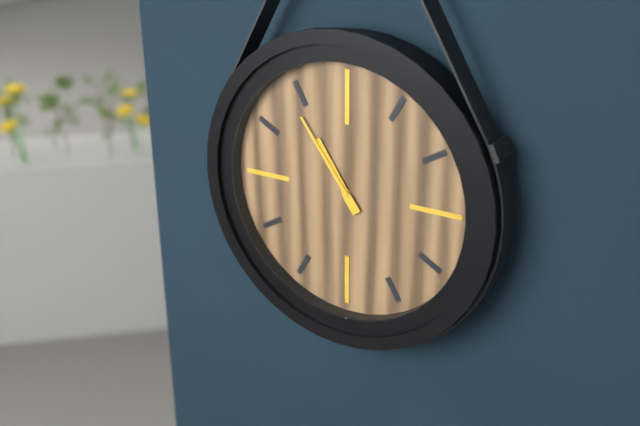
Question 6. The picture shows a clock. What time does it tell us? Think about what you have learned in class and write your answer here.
10:54
